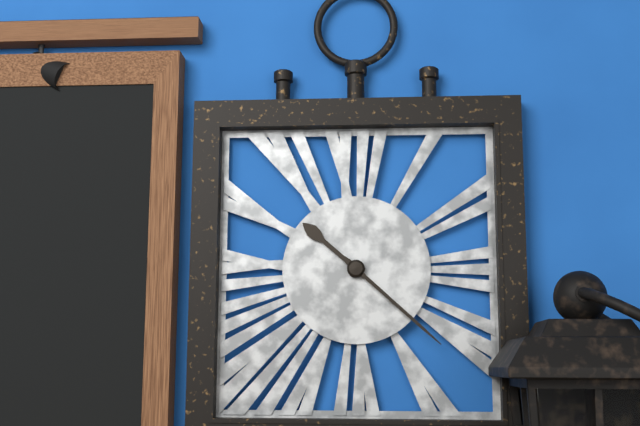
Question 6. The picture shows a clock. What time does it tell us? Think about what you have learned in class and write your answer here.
10:22
